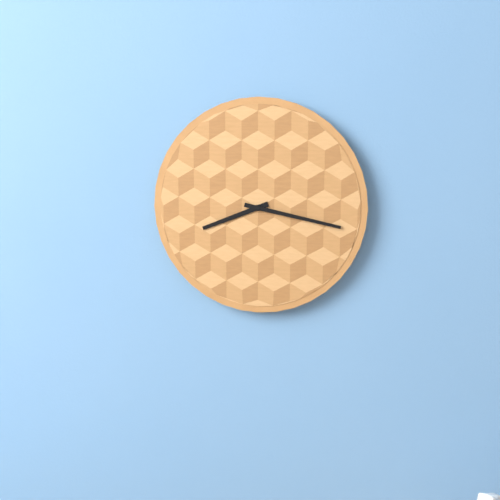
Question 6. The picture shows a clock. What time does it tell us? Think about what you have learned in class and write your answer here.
8:17
